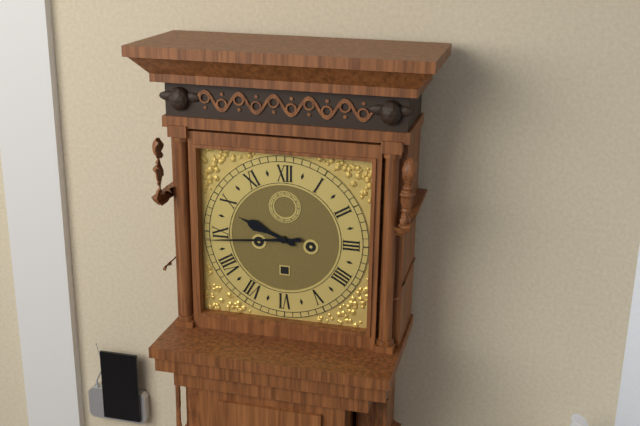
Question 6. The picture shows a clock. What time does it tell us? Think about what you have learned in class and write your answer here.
9:44
